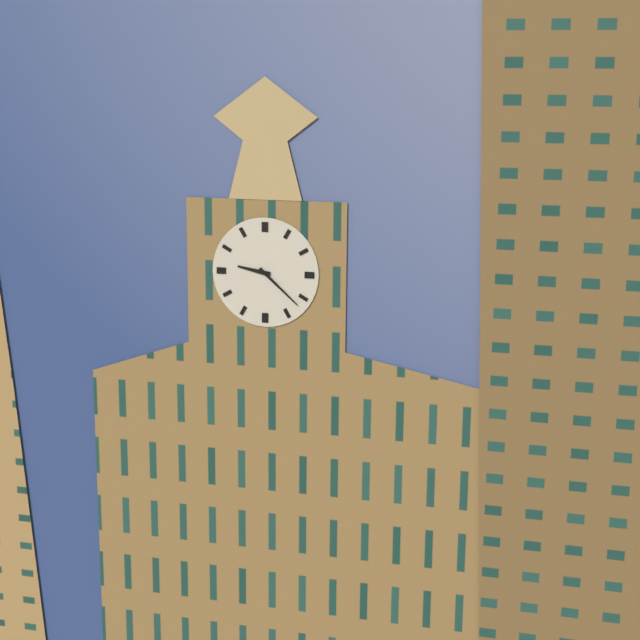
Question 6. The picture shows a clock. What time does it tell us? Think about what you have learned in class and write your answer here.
9:22
